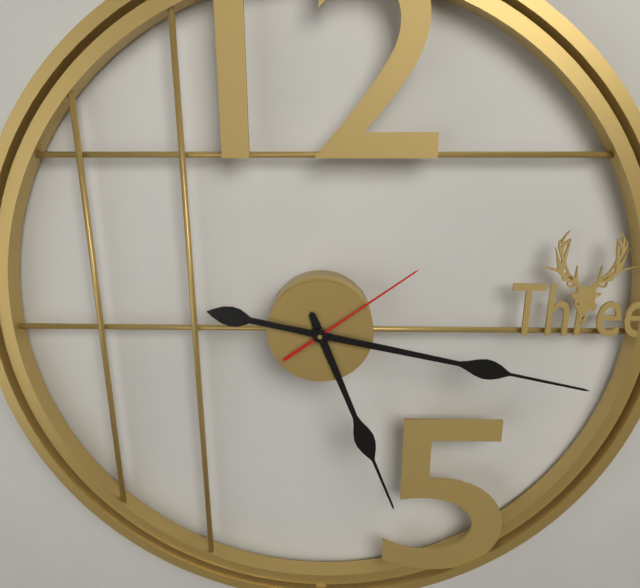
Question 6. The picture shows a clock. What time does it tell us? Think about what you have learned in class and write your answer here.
5:17:09
